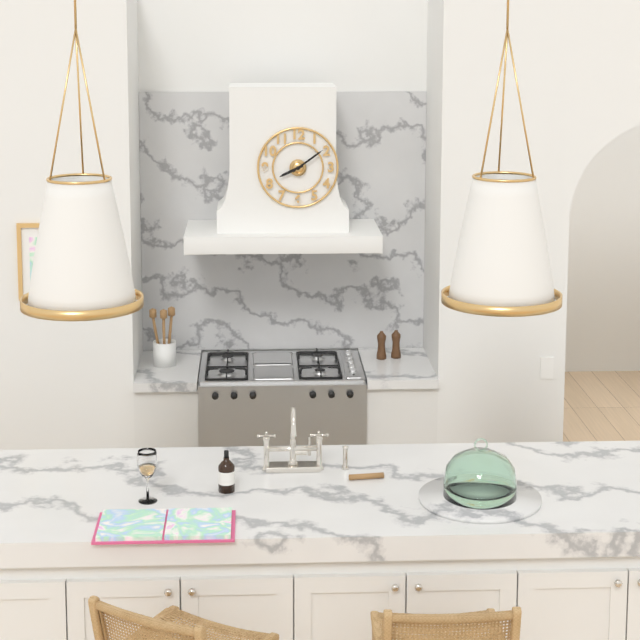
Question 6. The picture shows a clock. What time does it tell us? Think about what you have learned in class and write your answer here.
8:09
